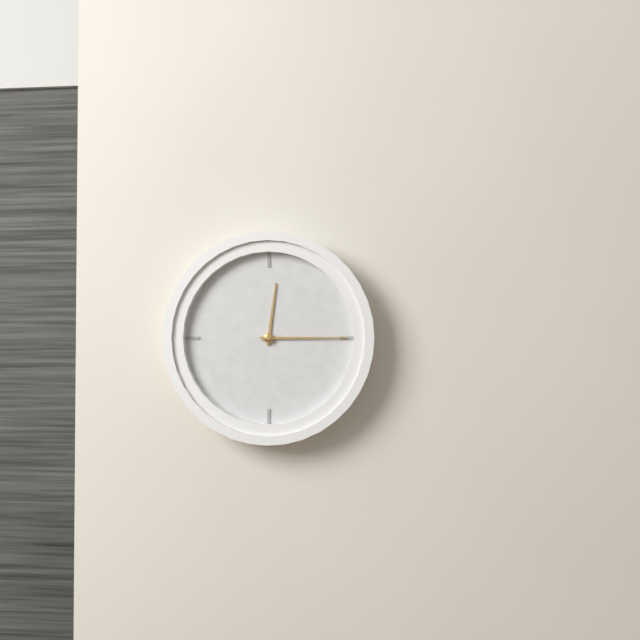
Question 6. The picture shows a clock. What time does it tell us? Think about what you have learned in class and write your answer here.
12:15
